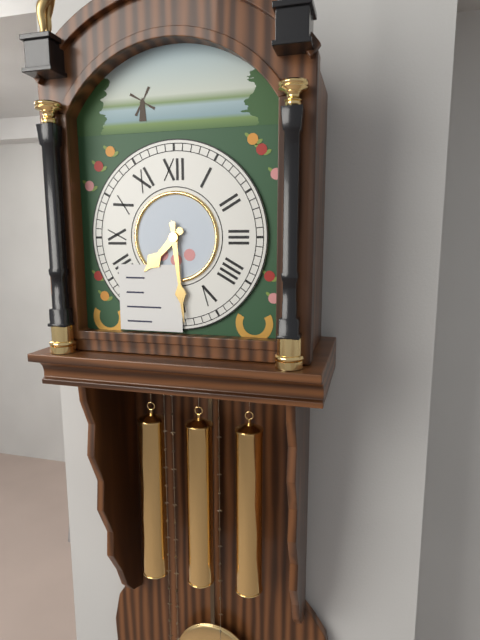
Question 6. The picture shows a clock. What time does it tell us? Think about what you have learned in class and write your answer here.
7:29
